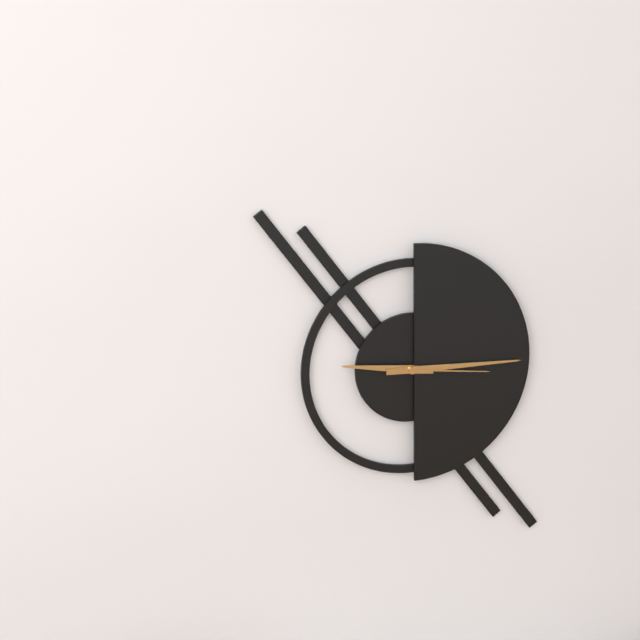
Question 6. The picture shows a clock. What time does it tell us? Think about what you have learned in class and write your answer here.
9:15:16
